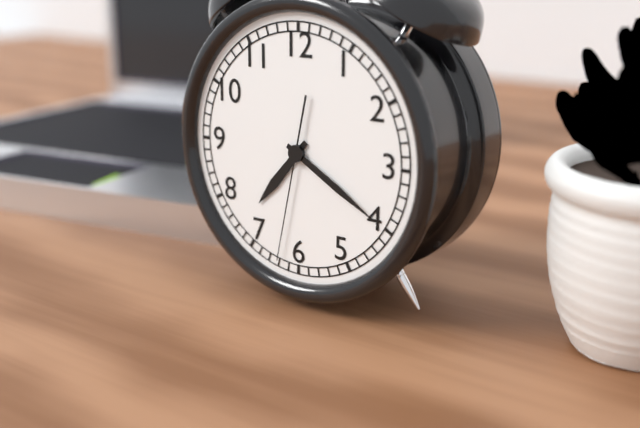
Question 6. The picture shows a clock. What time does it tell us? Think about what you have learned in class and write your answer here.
7:20:32
